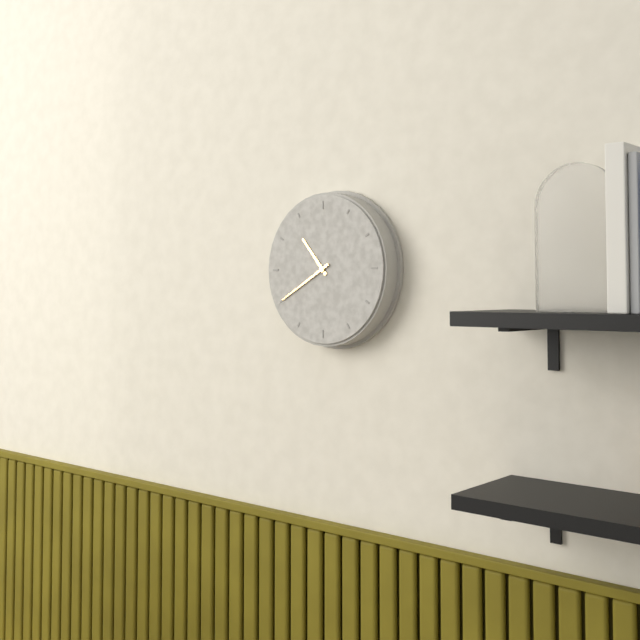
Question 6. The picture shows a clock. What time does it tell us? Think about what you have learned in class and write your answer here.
10:40
